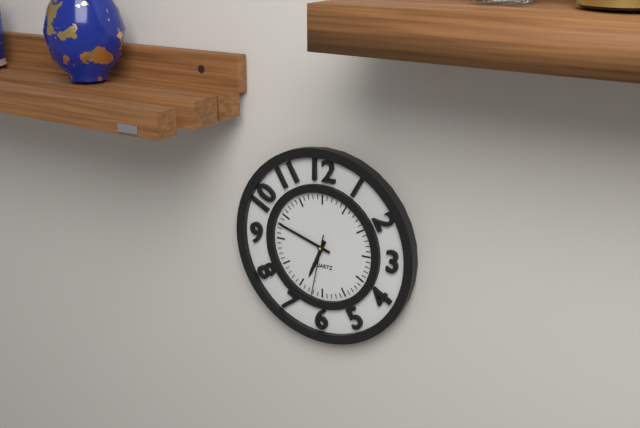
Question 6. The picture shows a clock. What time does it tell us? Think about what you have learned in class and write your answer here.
6:48:32
